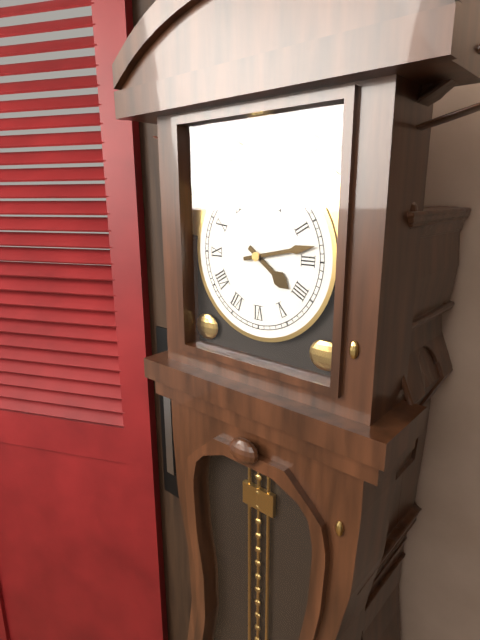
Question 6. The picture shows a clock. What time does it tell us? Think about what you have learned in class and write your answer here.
4:13
